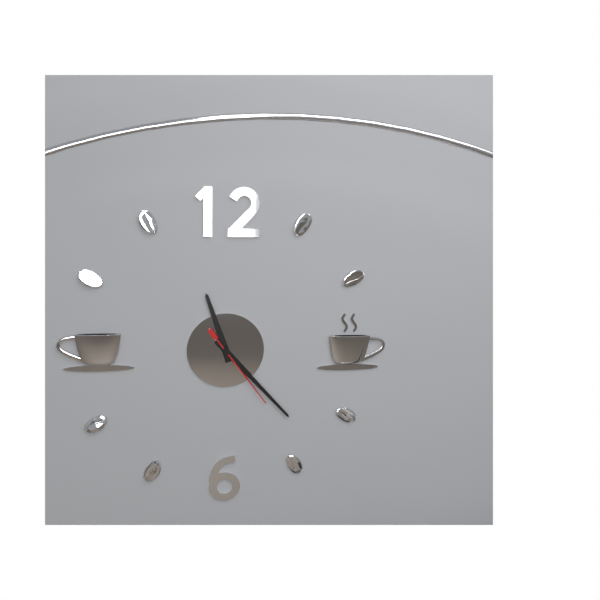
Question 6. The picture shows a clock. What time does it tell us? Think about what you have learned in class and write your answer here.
11:23:24
